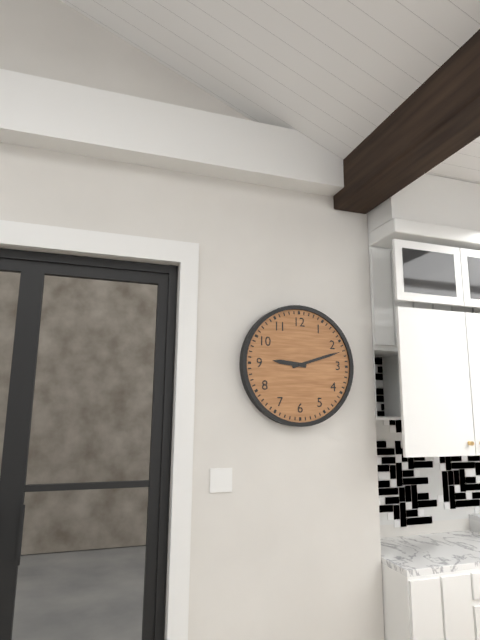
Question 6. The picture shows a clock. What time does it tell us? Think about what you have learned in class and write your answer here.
9:12
